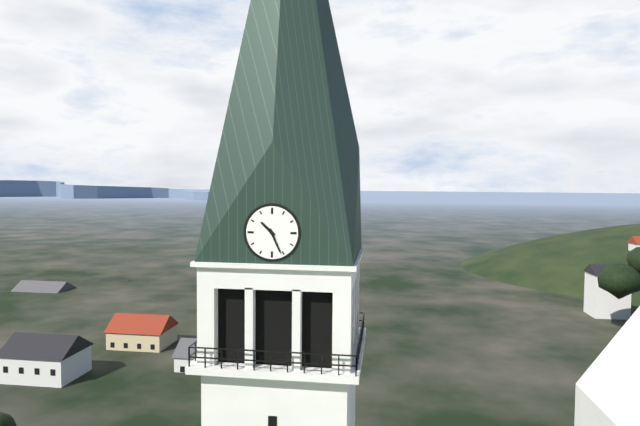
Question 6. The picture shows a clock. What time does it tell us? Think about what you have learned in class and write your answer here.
10:26
